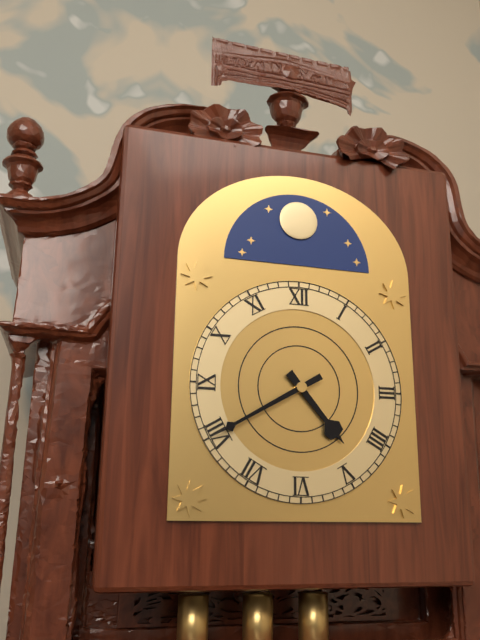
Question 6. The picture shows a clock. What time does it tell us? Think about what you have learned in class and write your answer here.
4:40
